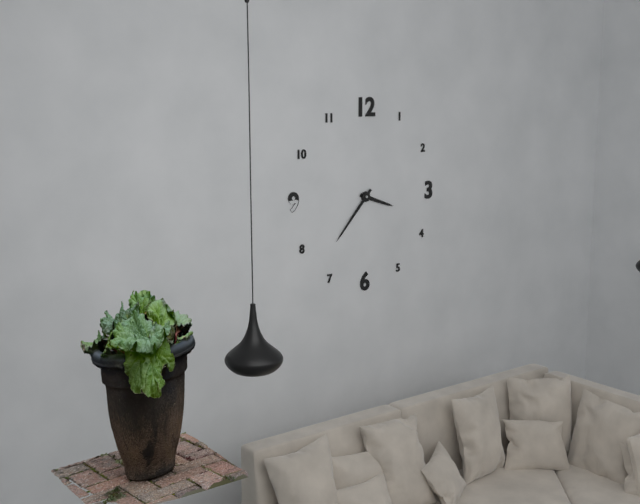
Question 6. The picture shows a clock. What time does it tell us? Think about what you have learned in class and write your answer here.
3:37
